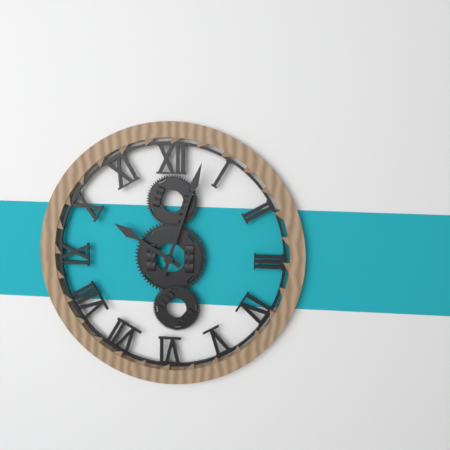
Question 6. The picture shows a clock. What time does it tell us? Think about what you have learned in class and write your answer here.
10:03
